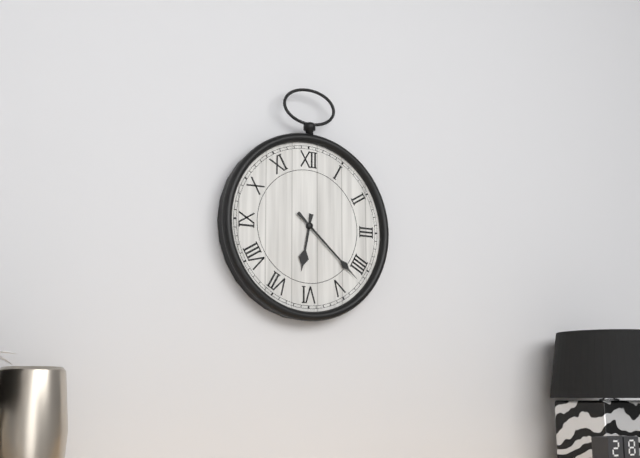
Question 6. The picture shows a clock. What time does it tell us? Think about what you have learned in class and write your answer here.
6:22
